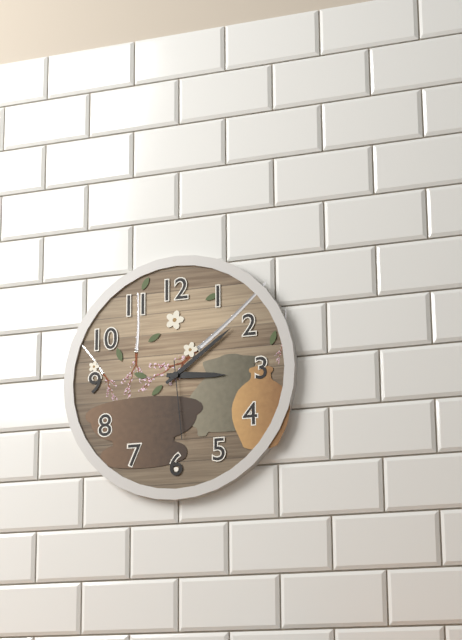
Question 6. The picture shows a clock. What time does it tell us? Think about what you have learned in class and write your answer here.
3:09:29
